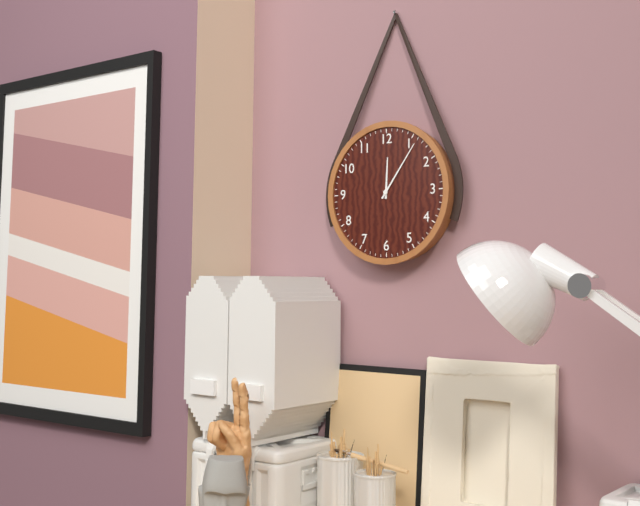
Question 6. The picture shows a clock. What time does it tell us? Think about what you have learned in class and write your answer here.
12:06
